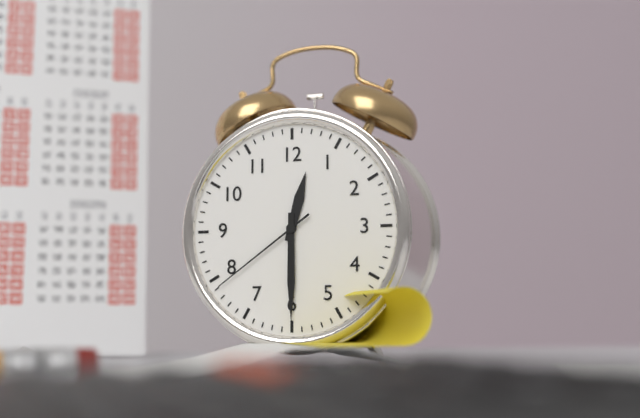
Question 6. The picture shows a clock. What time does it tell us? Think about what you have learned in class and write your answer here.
12:30:39
